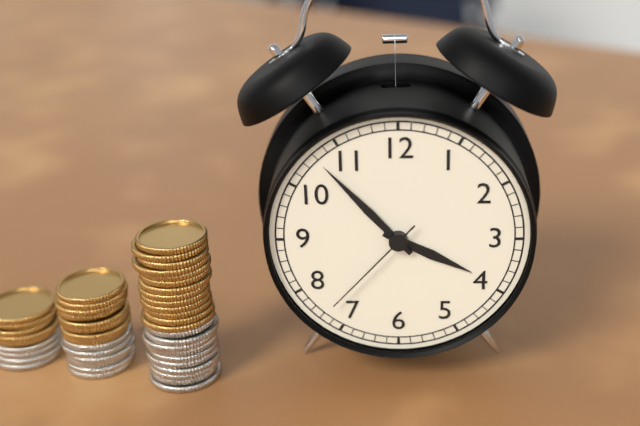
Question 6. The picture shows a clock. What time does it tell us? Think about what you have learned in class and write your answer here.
3:53:37
